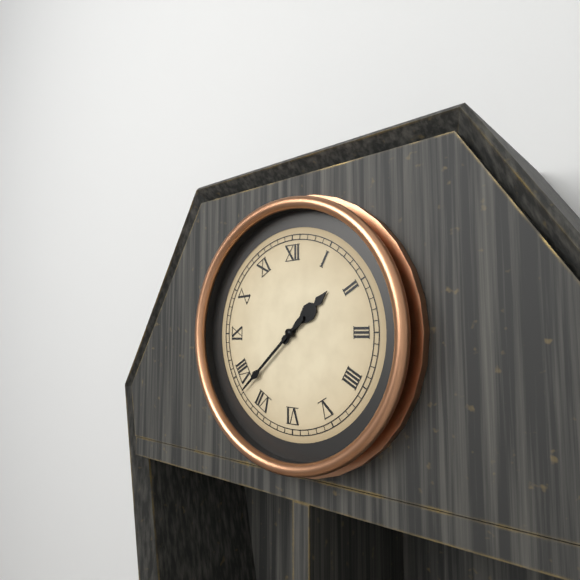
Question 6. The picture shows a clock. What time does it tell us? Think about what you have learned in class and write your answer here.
1:38
